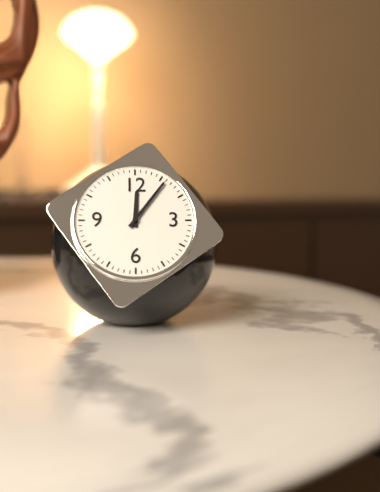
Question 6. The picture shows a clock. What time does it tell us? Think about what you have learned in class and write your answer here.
12:06
